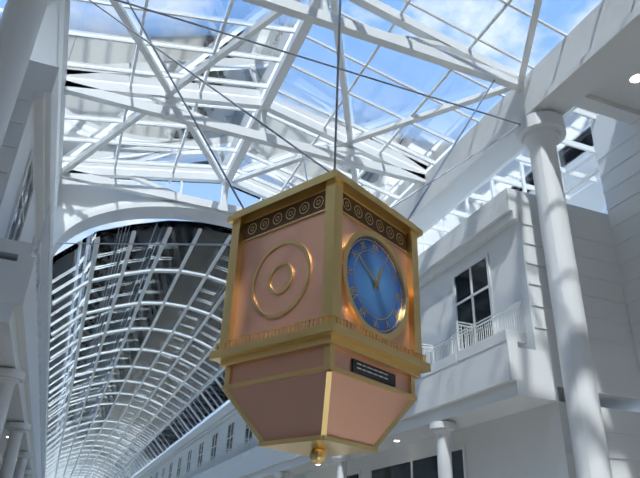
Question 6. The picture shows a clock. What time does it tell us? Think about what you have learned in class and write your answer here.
12:51
